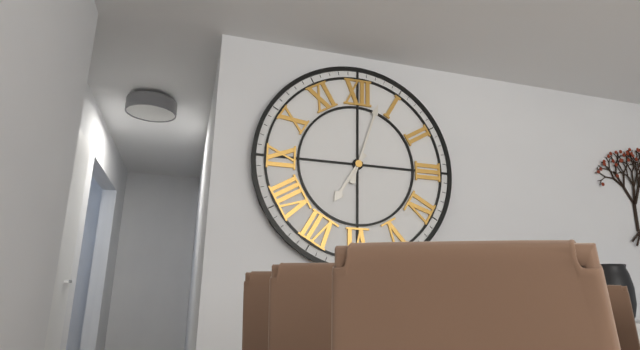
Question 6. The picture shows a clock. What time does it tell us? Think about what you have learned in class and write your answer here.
7:03
